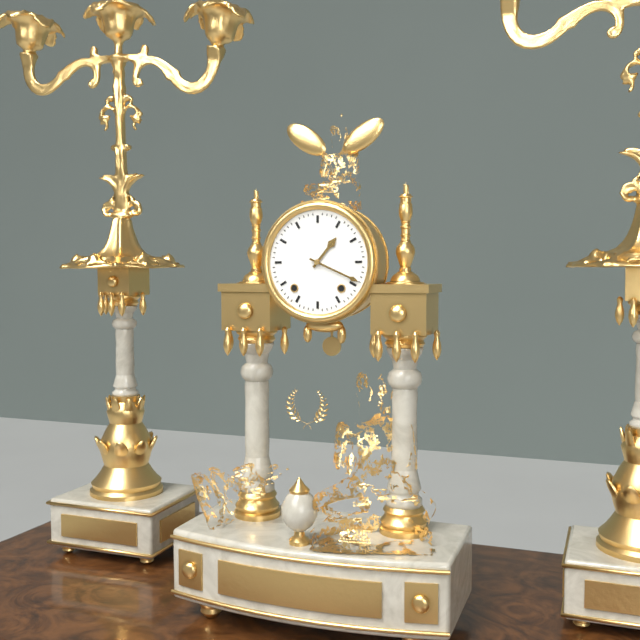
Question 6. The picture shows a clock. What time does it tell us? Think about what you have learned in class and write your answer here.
1:19
